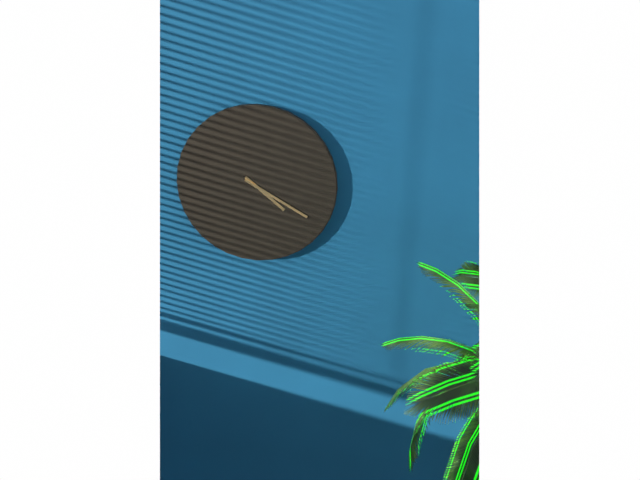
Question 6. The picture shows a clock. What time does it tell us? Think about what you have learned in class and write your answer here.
4:20
